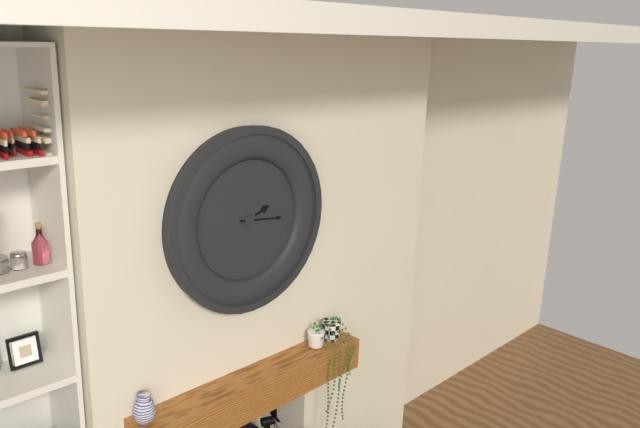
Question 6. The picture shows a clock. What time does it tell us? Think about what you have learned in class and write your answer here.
2:16
